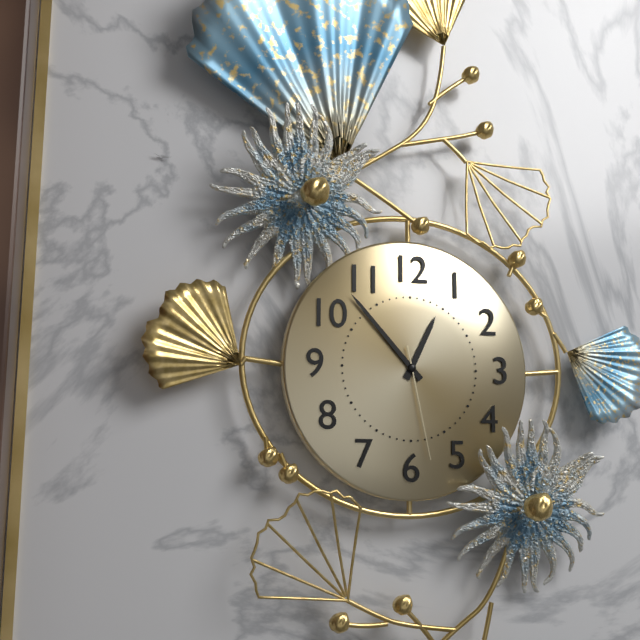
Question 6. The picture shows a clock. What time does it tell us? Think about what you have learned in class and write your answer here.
12:53:28
